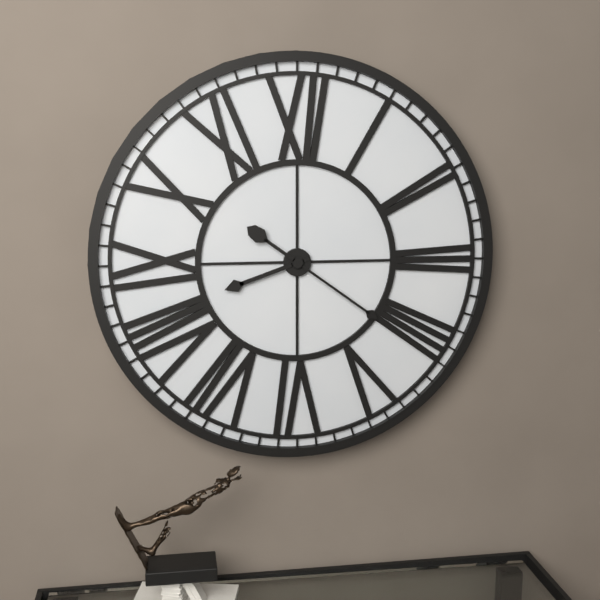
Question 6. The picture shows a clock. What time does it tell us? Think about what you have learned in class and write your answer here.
8:21
